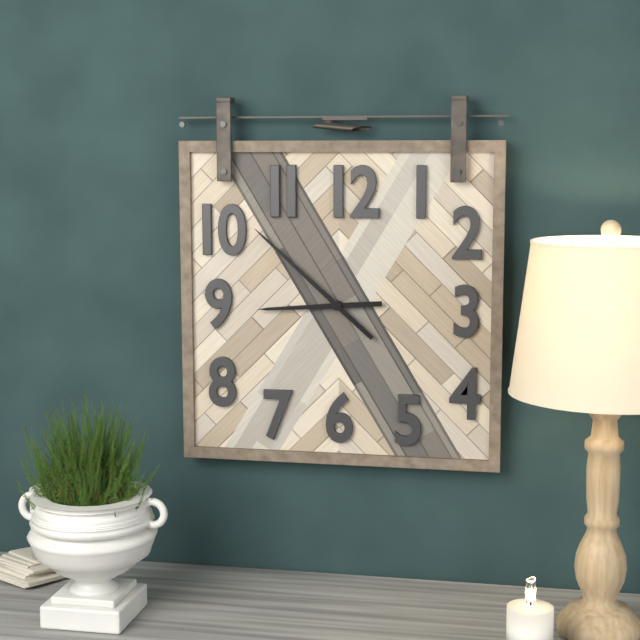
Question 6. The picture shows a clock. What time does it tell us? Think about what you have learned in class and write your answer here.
8:52
